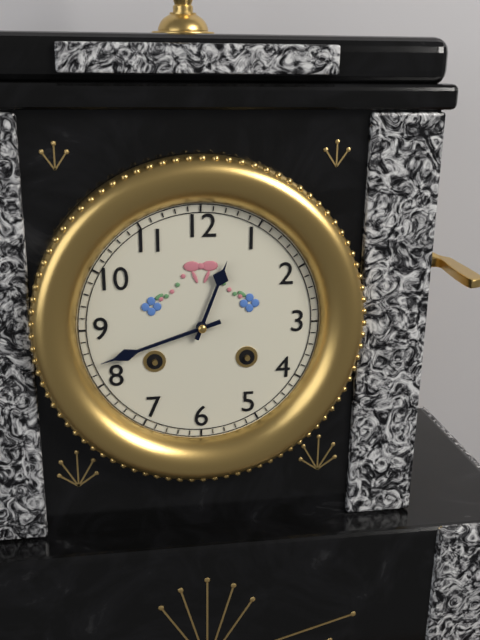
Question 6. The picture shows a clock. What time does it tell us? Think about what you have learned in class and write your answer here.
12:42
